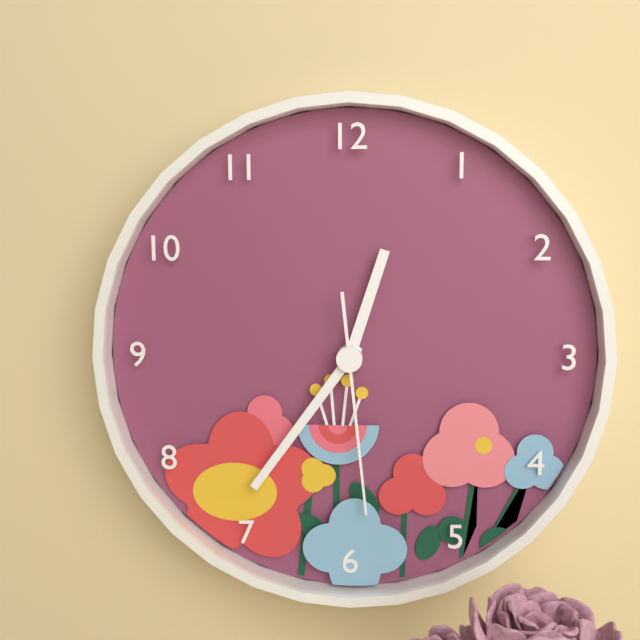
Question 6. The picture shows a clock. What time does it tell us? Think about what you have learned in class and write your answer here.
12:36:29
